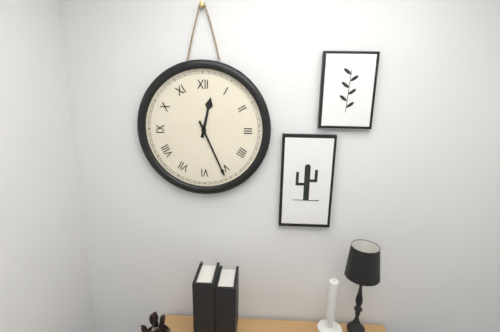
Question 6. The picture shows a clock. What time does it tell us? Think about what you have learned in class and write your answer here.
12:26
